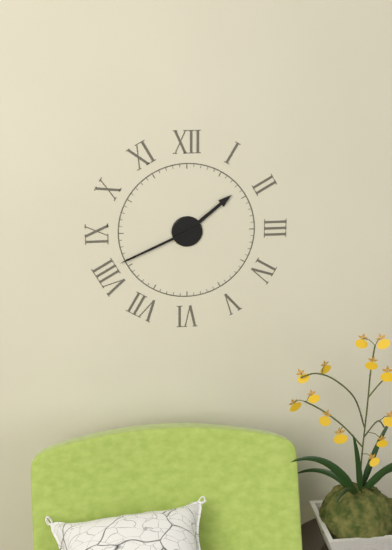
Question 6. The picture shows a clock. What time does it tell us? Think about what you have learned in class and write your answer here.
1:41
